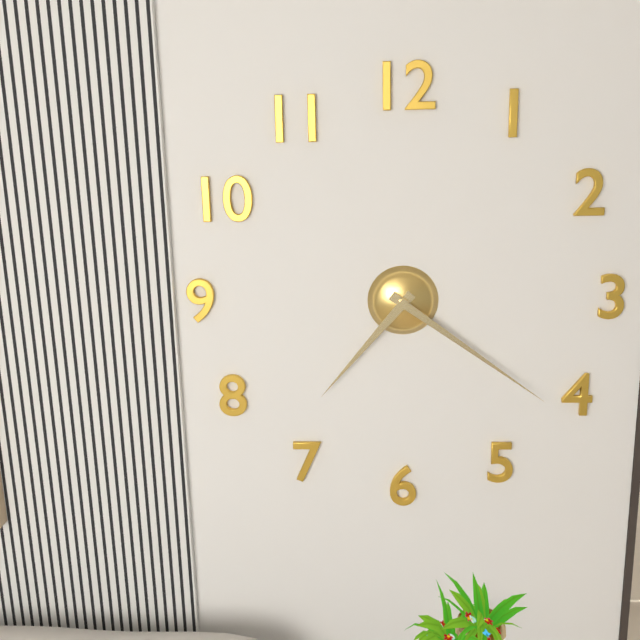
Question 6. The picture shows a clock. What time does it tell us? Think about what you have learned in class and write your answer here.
7:21
